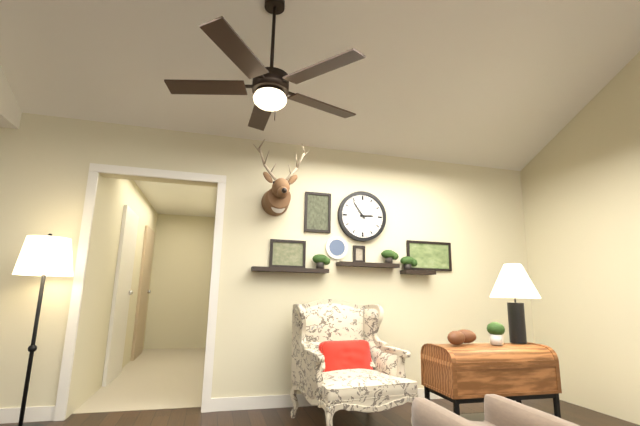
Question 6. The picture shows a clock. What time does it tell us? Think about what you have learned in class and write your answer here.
2:54
